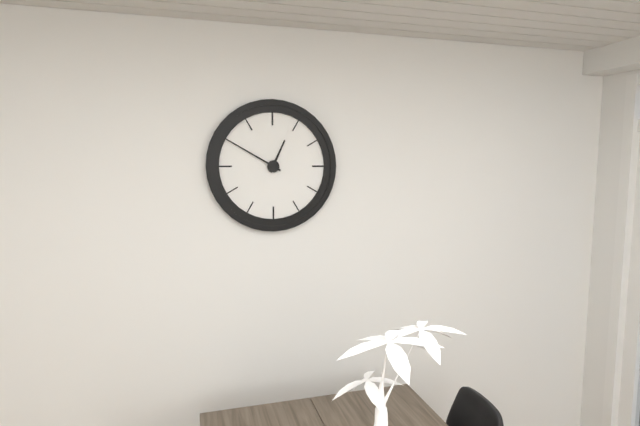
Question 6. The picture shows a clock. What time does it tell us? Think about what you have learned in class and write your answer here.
12:50
